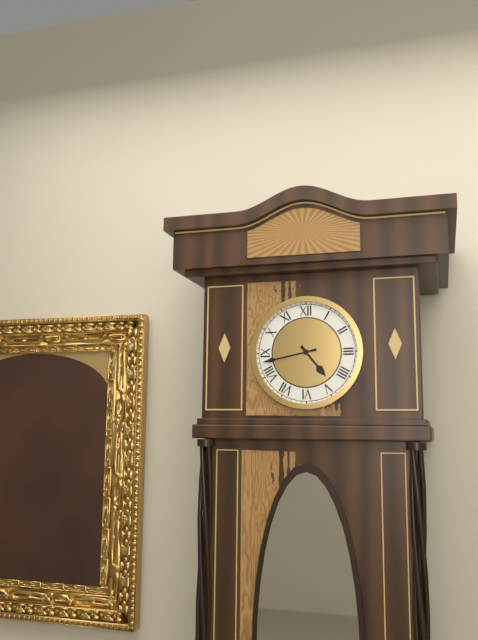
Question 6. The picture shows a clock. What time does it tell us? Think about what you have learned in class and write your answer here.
4:43
